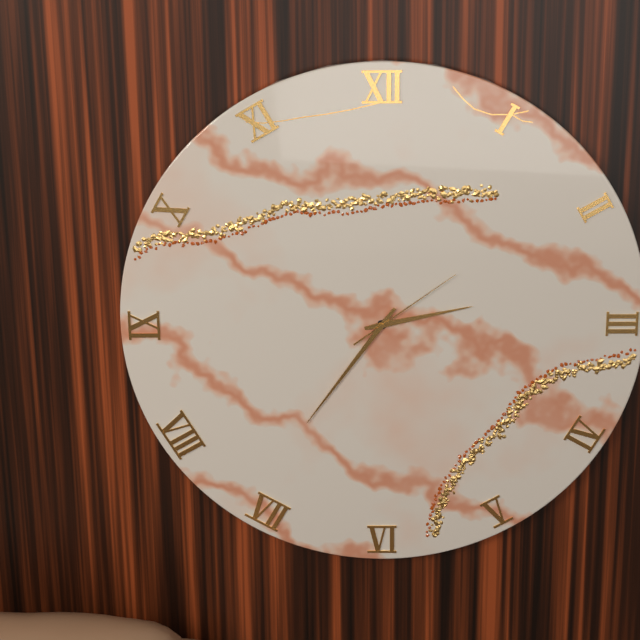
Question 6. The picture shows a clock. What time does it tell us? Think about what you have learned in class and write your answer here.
2:36:09
